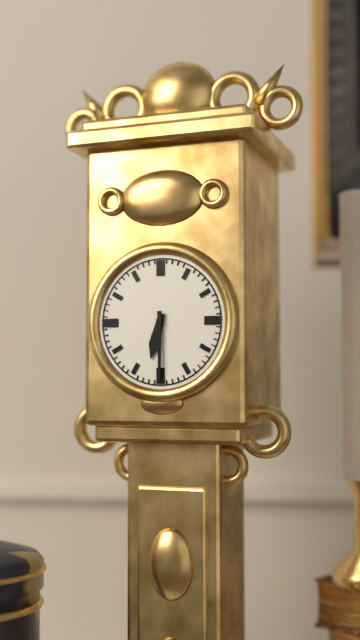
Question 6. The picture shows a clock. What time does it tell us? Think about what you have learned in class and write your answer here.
6:30
